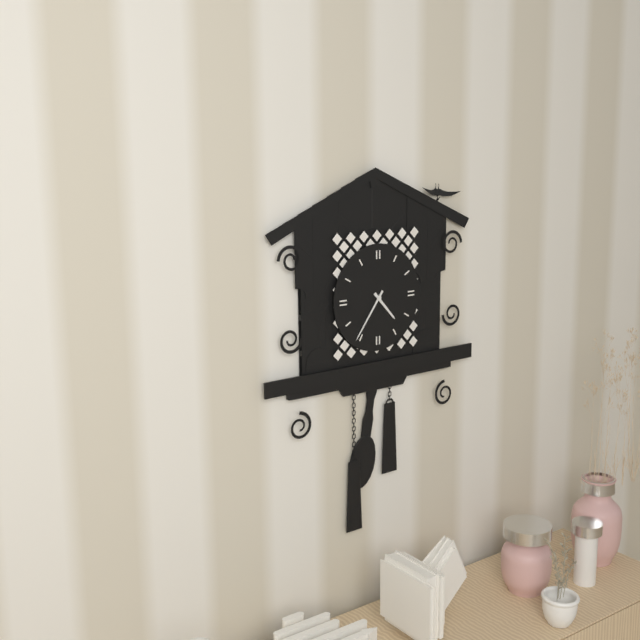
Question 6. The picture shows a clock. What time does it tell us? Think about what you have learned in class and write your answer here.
4:36
